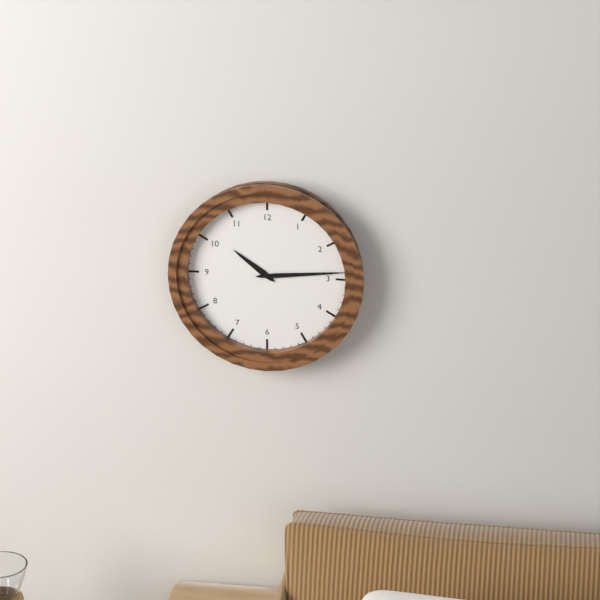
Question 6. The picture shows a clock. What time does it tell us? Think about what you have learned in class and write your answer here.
10:14
